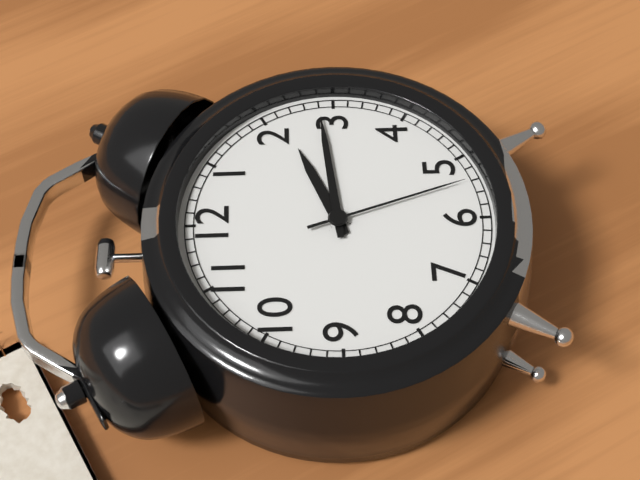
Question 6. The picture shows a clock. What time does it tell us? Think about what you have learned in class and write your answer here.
2:14:27
